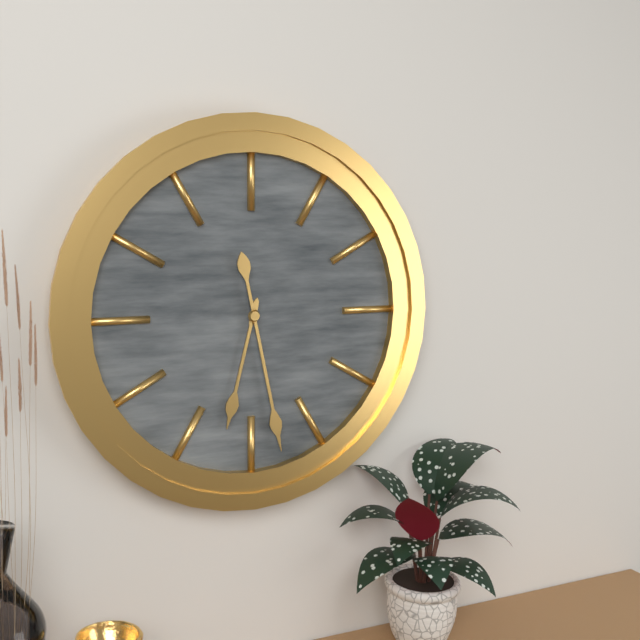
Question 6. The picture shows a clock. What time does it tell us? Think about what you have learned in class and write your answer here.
6:28
